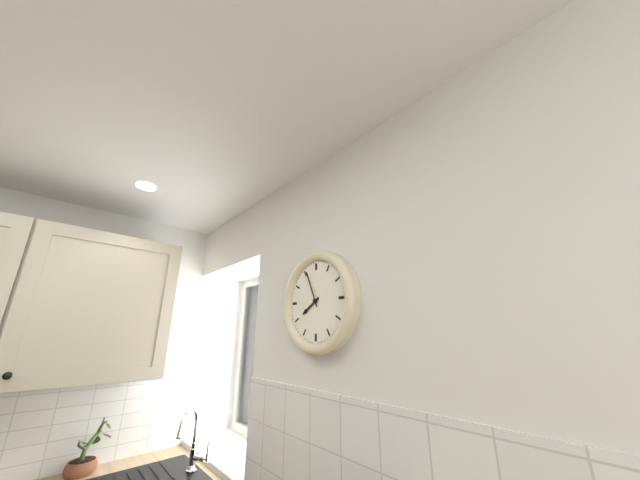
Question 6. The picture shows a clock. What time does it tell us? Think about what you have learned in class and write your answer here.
7:56
